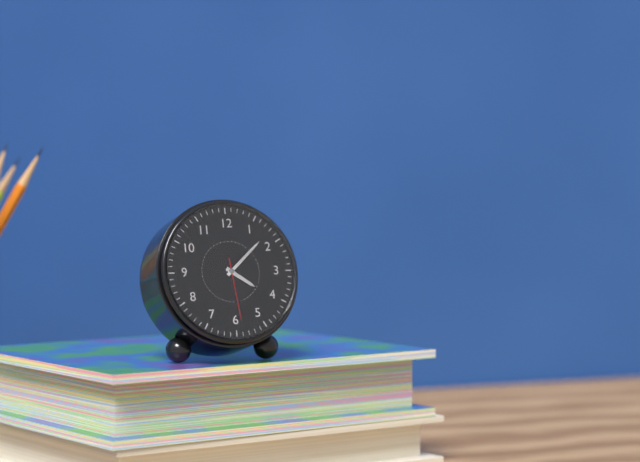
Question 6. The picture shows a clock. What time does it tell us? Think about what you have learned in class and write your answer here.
4:08:29
